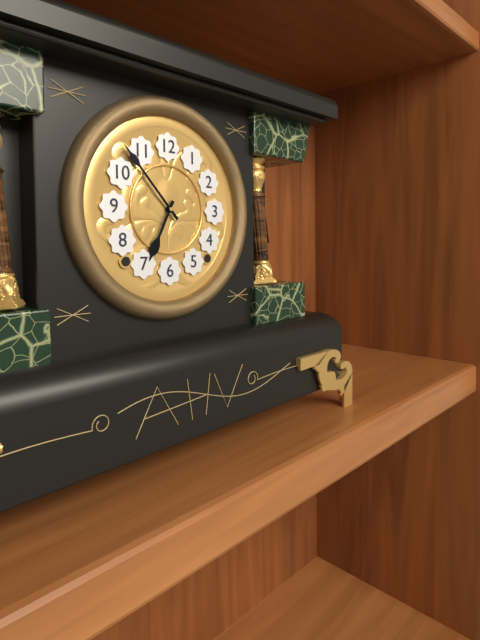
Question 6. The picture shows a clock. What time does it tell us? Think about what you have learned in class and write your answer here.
6:53
